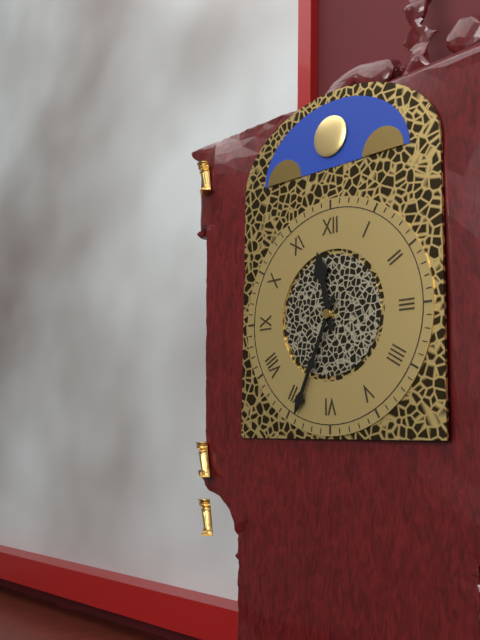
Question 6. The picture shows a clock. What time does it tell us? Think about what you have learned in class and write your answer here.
11:34
